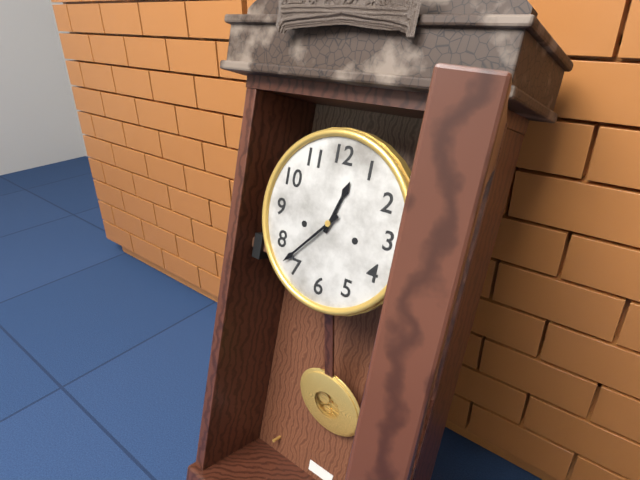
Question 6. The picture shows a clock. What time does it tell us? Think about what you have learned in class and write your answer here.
12:37
